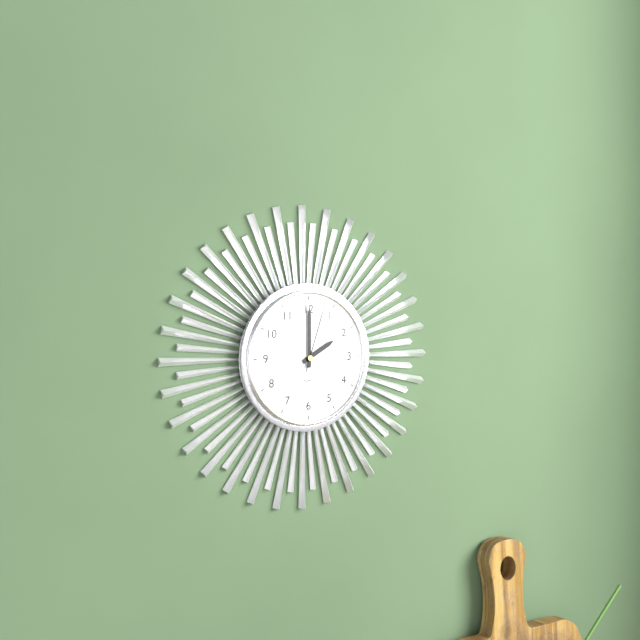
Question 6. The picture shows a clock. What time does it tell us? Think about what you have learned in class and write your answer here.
2:00:03
